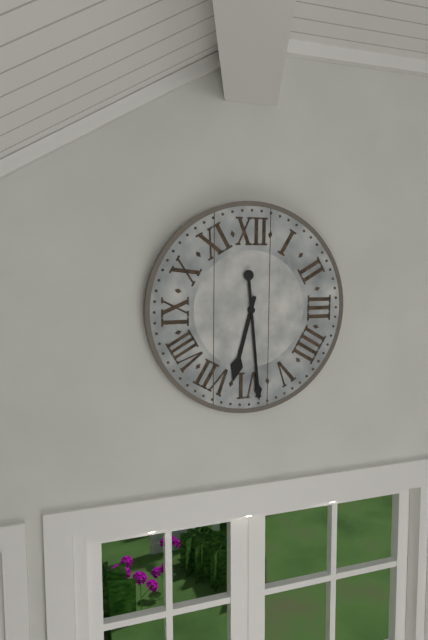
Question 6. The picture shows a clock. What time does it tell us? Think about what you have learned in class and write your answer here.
6:29
